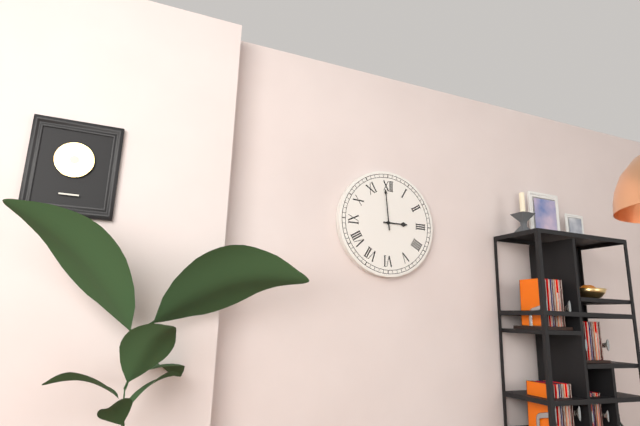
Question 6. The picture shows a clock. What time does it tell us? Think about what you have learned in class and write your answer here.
2:59
